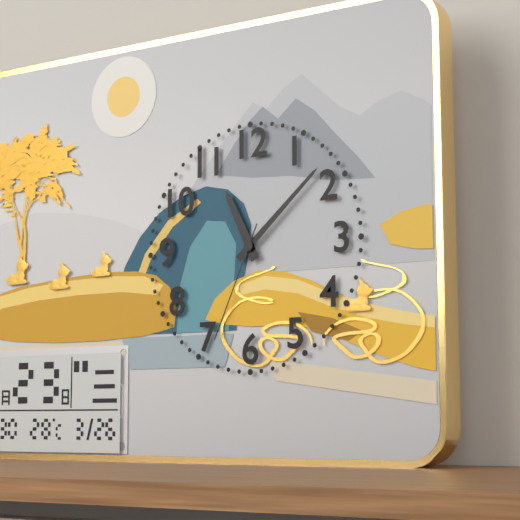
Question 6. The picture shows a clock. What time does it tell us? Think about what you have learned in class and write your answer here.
11:08:34
